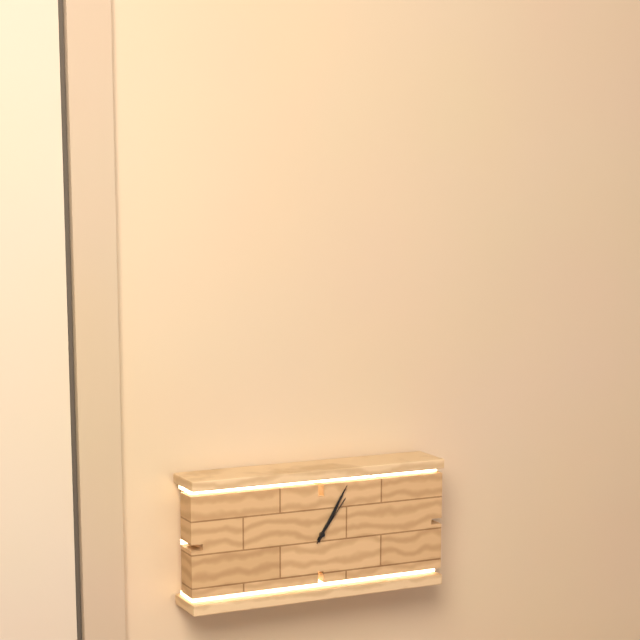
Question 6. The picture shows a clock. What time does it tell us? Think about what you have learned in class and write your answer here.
1:05:06
